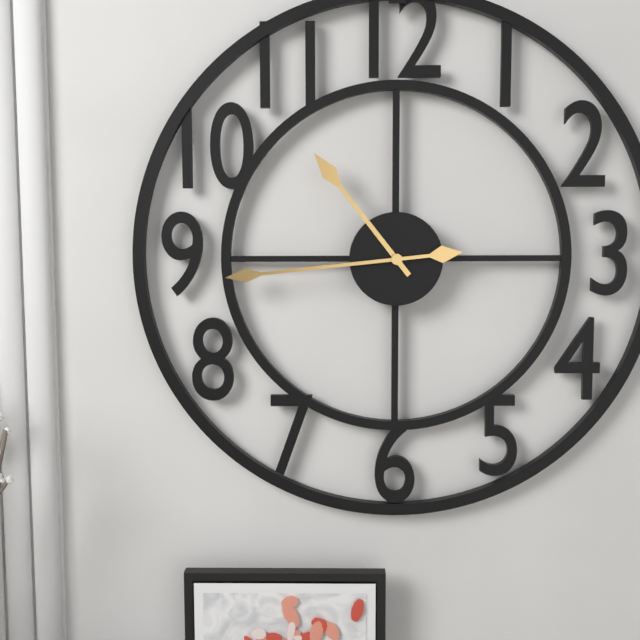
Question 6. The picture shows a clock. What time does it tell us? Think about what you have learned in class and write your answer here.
10:44
